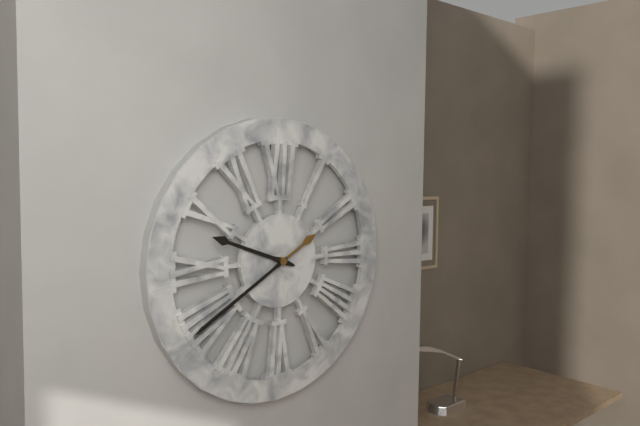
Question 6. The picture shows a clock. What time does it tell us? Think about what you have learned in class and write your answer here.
9:40
